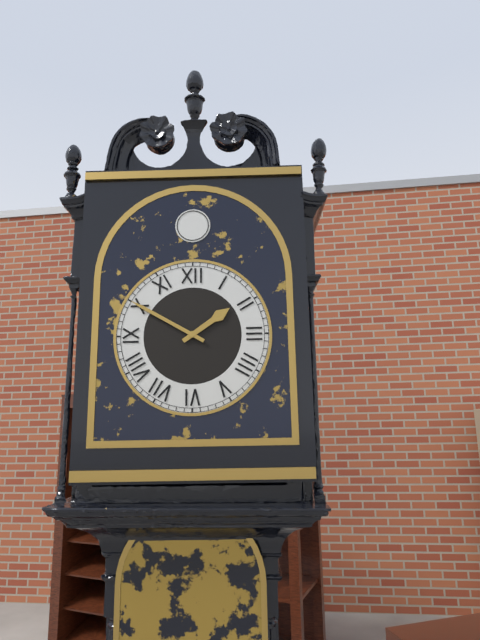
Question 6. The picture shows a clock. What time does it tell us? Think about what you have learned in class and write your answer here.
1:50
